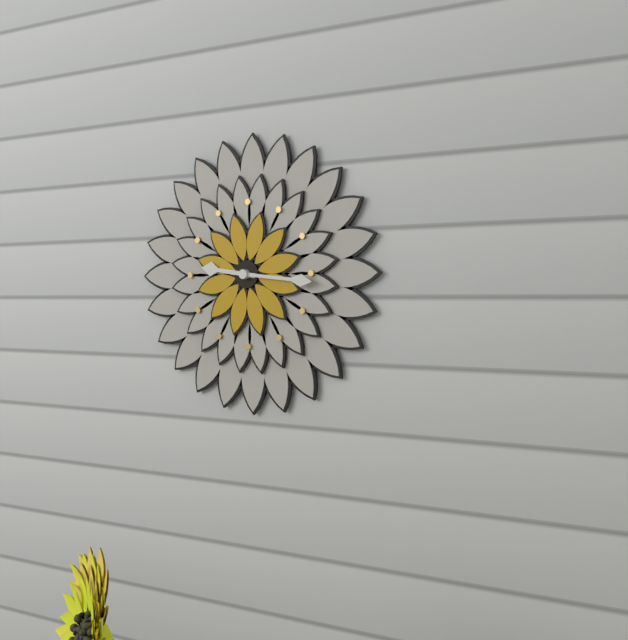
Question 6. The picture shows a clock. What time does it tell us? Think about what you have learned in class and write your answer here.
9:16
